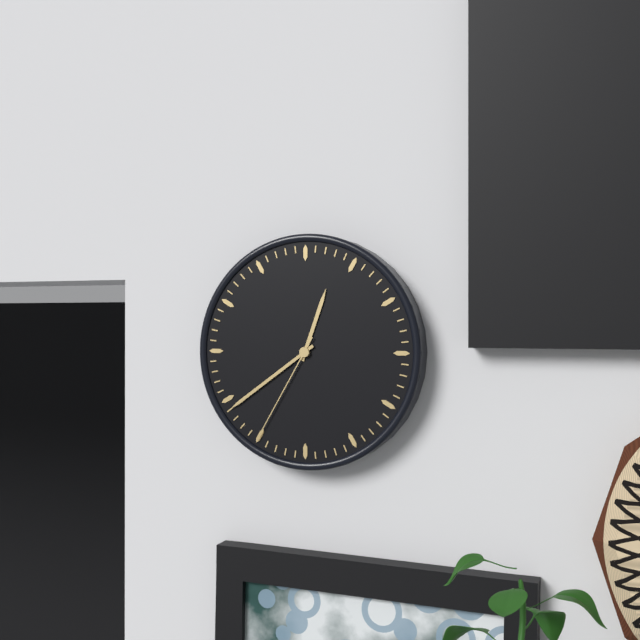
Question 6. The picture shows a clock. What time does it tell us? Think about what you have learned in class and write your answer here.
12:39:35
